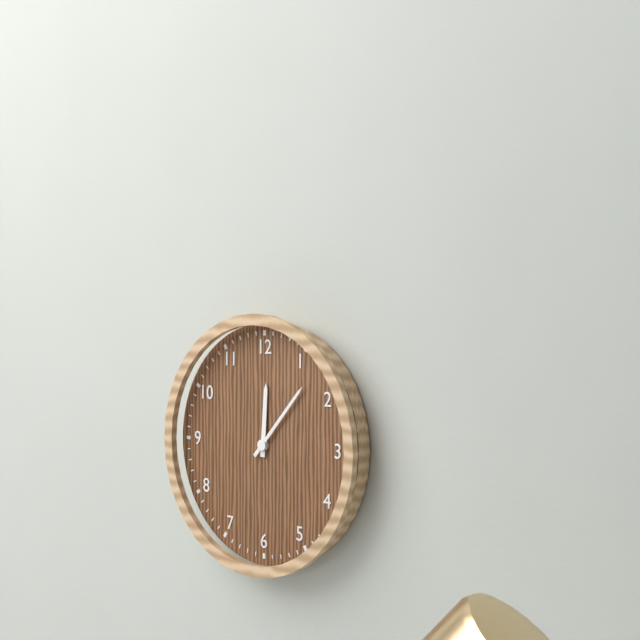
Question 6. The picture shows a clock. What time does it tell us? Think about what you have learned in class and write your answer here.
12:07
